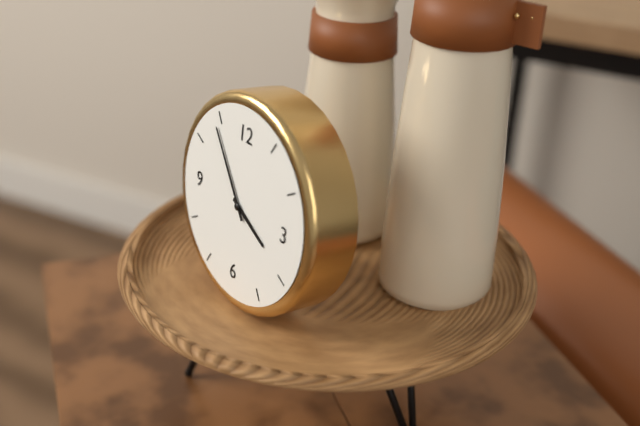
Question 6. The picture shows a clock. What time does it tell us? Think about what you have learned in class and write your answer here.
3:54
